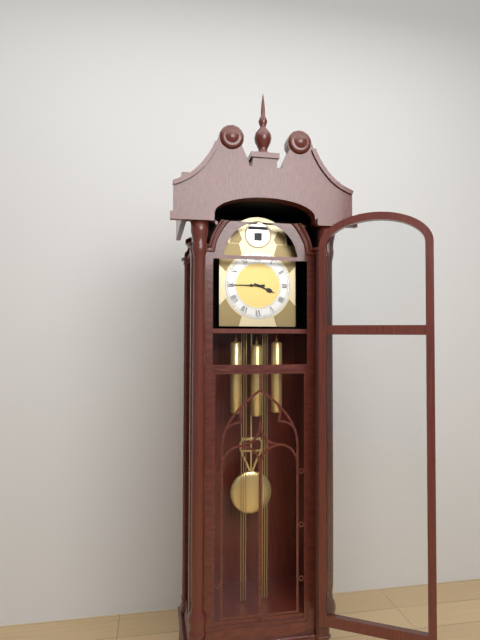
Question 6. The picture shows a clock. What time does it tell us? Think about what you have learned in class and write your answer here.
3:45
